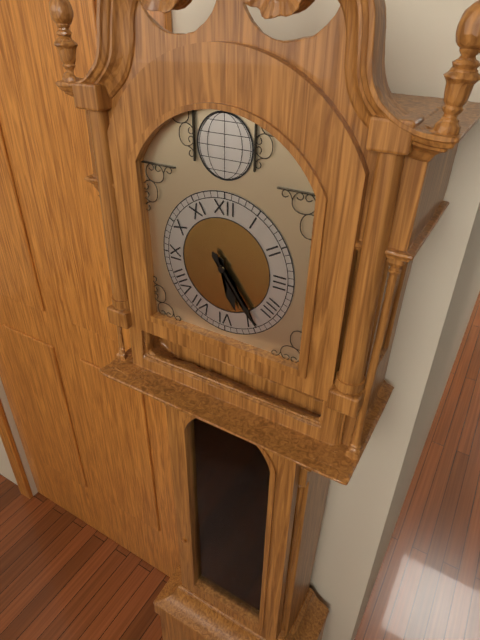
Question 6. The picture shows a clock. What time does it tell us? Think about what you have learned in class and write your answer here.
5:24
